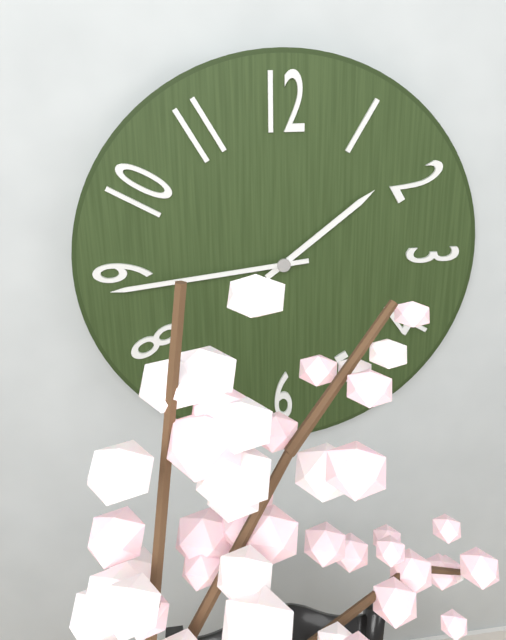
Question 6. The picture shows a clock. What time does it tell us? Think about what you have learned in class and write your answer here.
1:44
